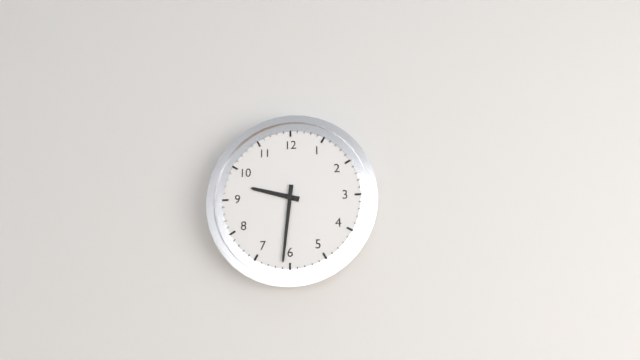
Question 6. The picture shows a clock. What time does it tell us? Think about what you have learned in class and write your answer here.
9:31
